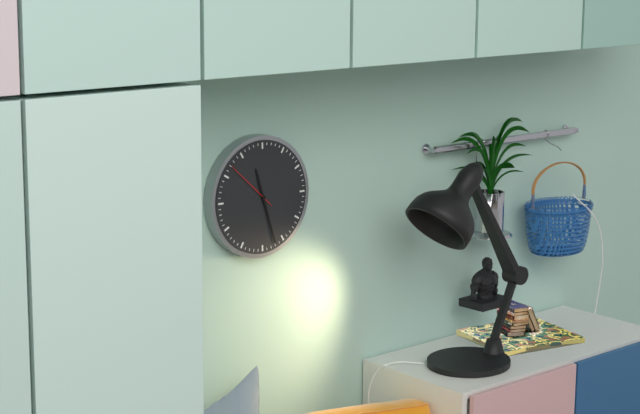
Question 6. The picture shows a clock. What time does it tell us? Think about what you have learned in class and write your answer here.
11:27:52
